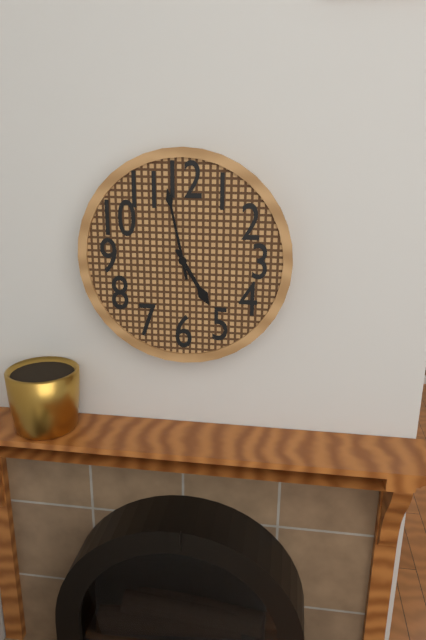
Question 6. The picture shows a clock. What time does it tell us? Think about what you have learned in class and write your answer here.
4:58
